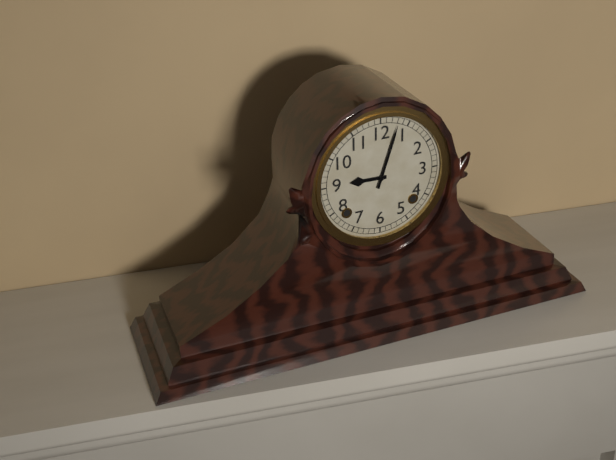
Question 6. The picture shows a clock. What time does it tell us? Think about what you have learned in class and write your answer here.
9:03
